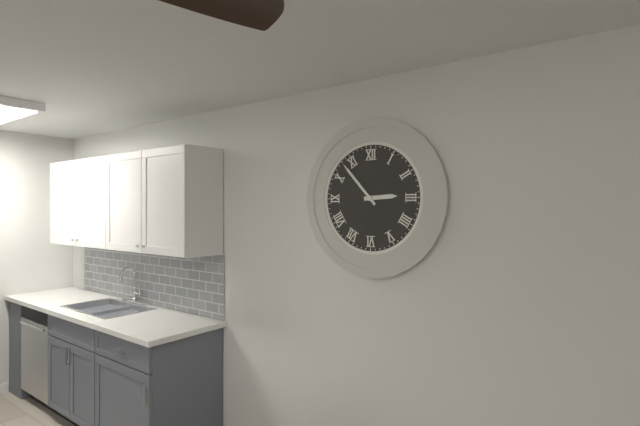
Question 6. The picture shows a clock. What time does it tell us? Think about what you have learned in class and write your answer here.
2:53
